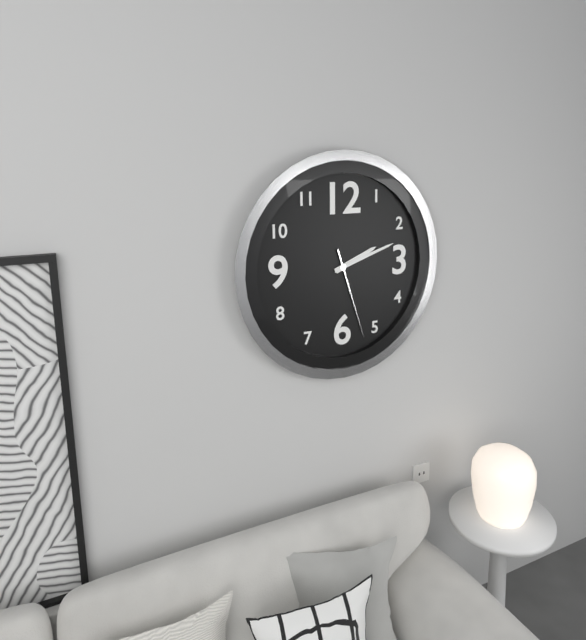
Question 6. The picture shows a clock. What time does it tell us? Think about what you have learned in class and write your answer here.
2:12:27
